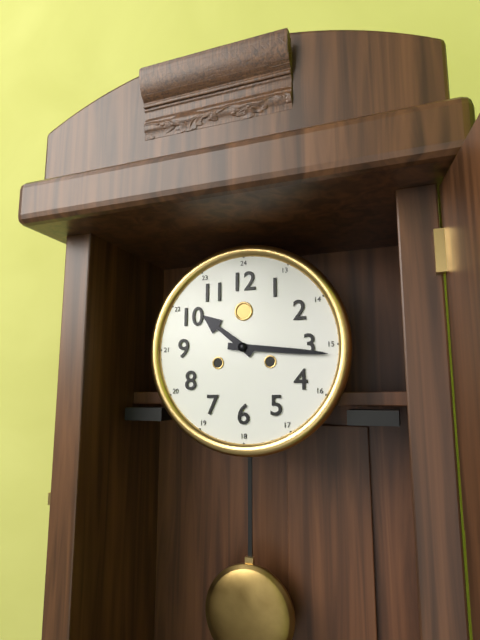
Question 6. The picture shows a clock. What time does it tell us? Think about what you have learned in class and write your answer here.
10:16
